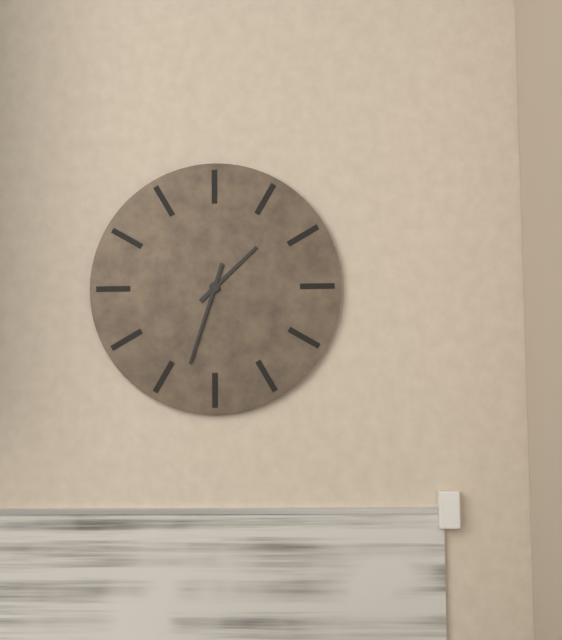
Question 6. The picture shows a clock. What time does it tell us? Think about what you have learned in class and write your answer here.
1:33
